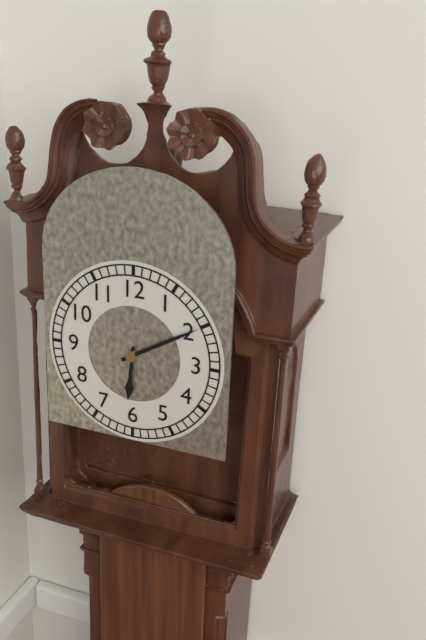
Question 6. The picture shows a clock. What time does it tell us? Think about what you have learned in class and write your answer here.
6:10
